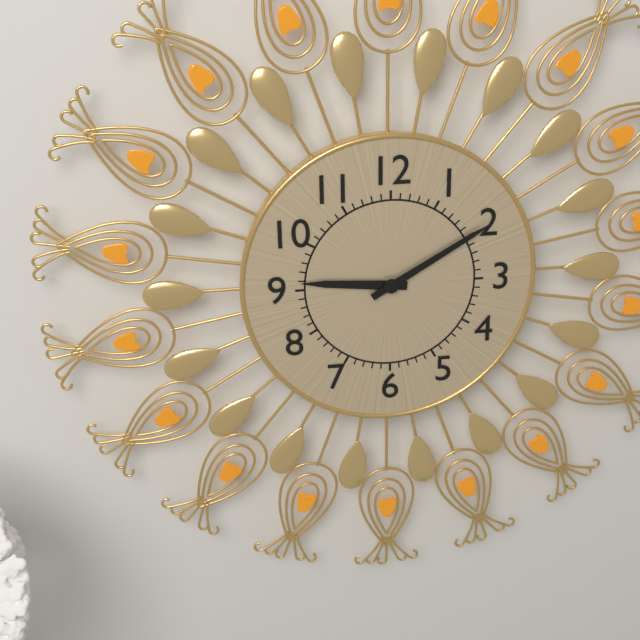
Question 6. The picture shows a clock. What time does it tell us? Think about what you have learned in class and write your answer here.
9:10
